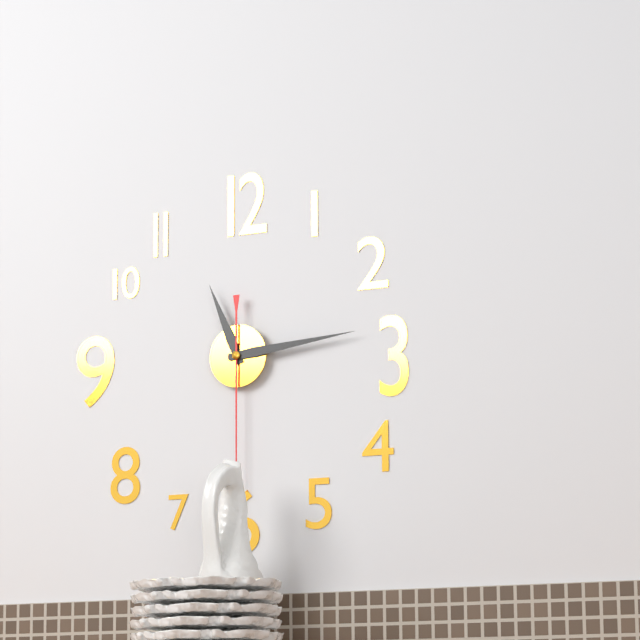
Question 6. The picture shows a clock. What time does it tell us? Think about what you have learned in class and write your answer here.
11:14:30
